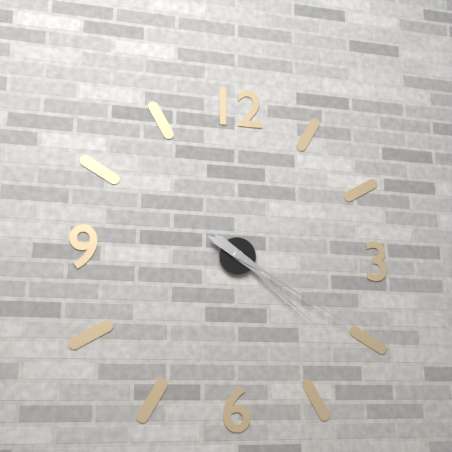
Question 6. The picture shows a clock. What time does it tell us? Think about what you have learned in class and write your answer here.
4:20
